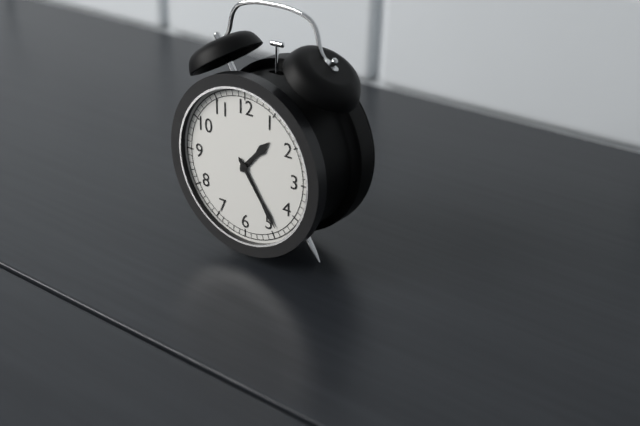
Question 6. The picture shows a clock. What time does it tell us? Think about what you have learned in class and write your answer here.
1:24
